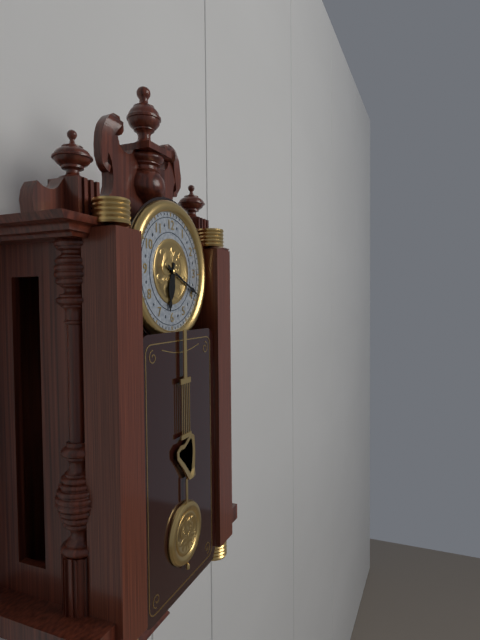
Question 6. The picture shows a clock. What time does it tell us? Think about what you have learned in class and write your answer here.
6:19
